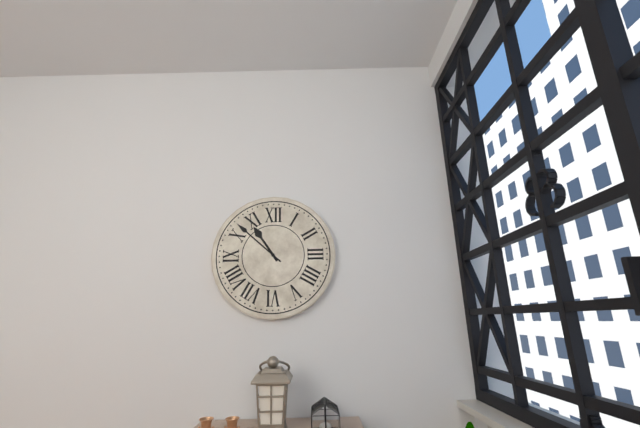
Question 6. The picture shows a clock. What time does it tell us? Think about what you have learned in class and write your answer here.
10:52
